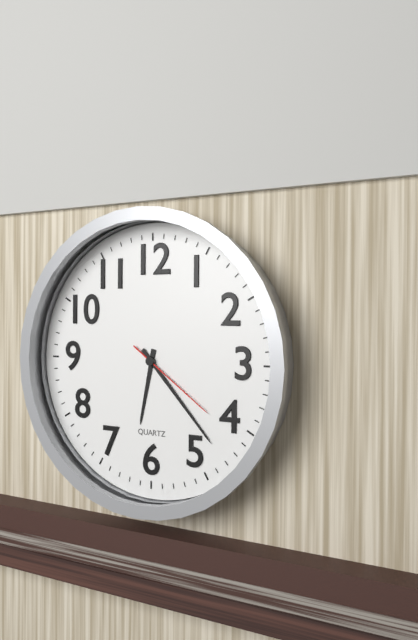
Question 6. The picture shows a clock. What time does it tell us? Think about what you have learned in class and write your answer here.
6:23:21
